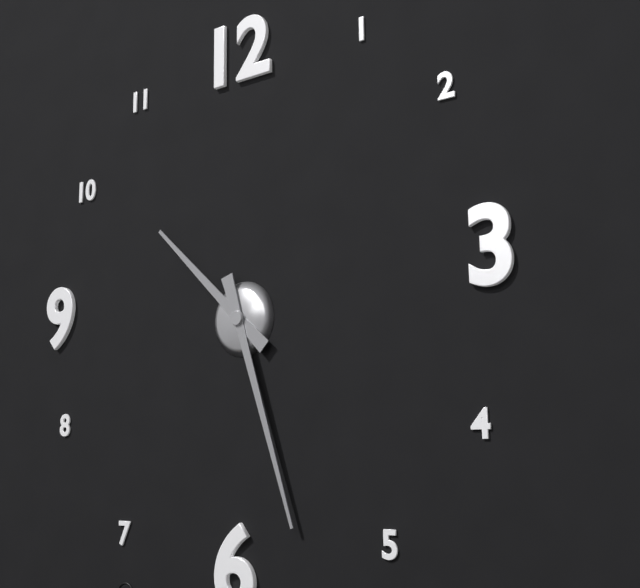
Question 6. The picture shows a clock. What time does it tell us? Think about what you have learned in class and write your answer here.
10:27
